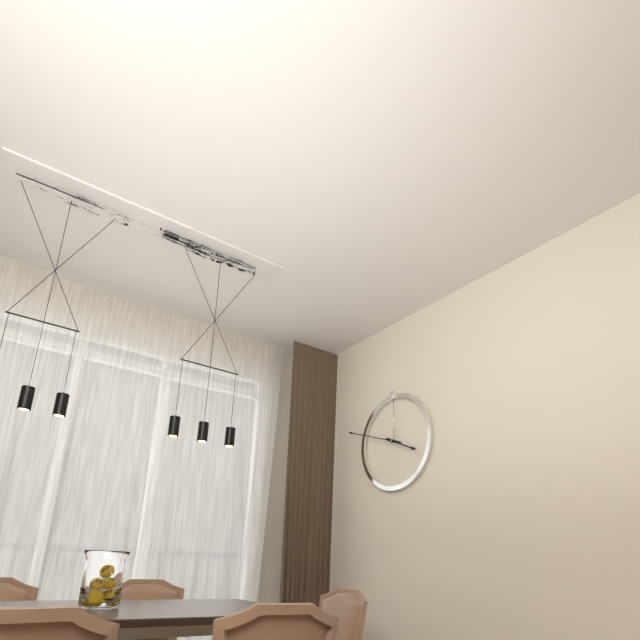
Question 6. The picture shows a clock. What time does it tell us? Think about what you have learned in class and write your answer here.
3:48
